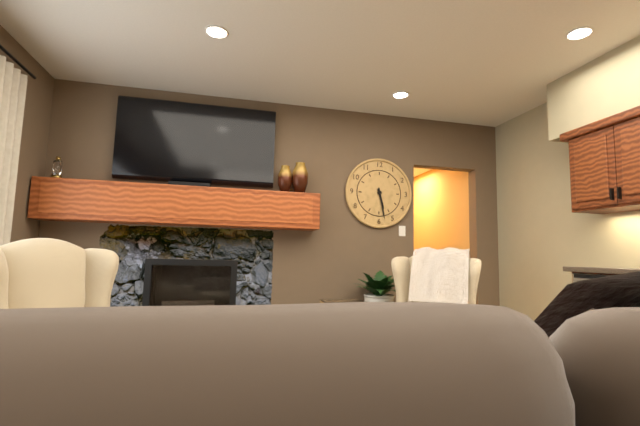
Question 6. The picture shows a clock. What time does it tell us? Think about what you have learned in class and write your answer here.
5:28
